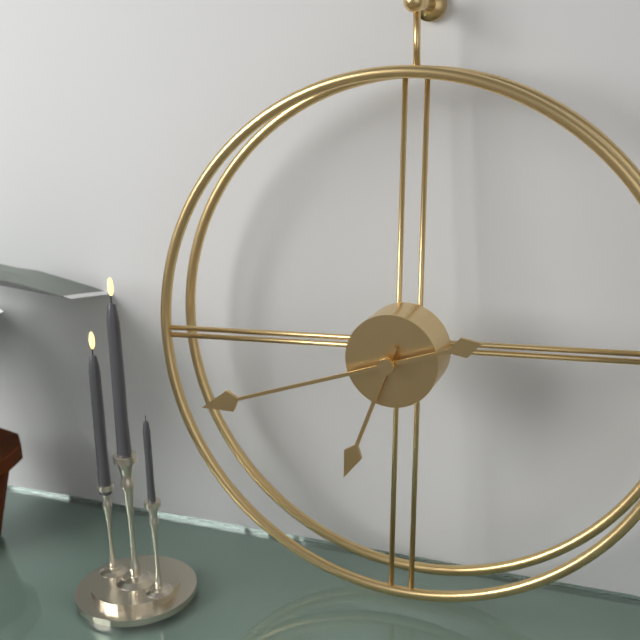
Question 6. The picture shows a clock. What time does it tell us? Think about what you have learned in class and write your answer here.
6:42
